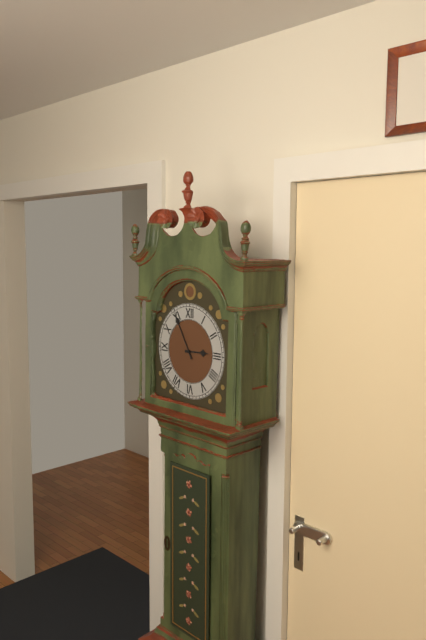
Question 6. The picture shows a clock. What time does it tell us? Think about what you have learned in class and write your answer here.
2:55
